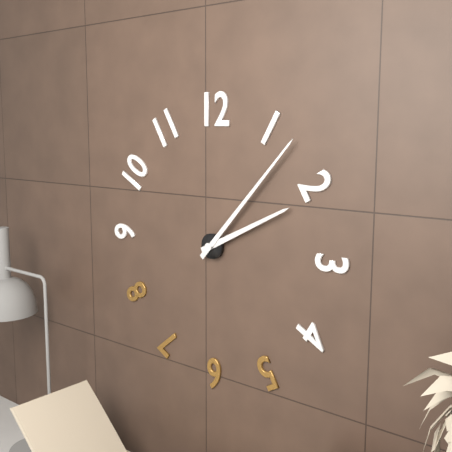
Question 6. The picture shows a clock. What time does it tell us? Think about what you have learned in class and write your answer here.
2:07
